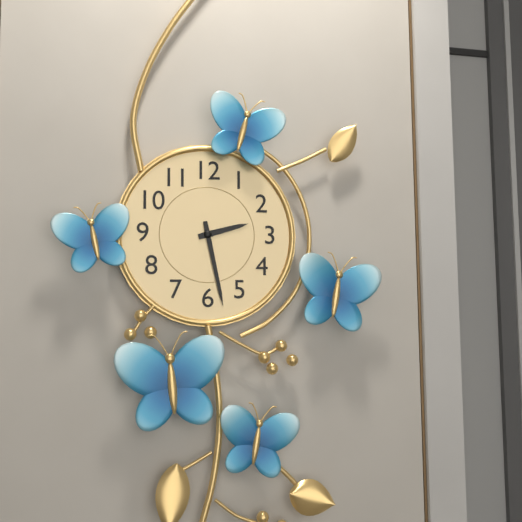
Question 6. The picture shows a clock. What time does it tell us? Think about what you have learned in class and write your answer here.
2:28
